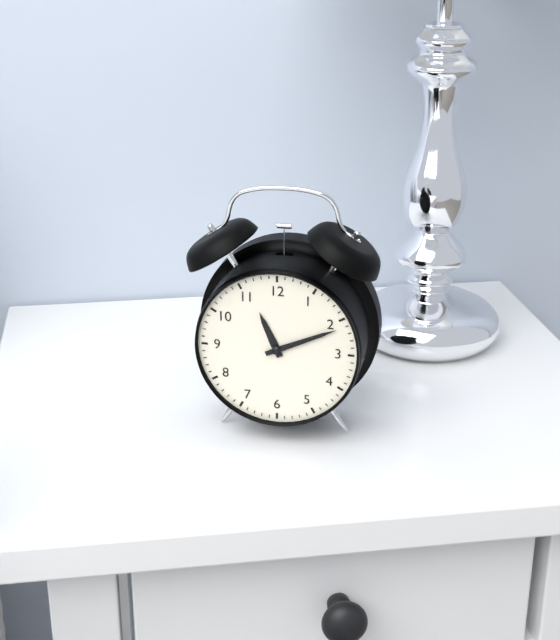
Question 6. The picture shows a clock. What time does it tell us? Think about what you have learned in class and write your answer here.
11:11
